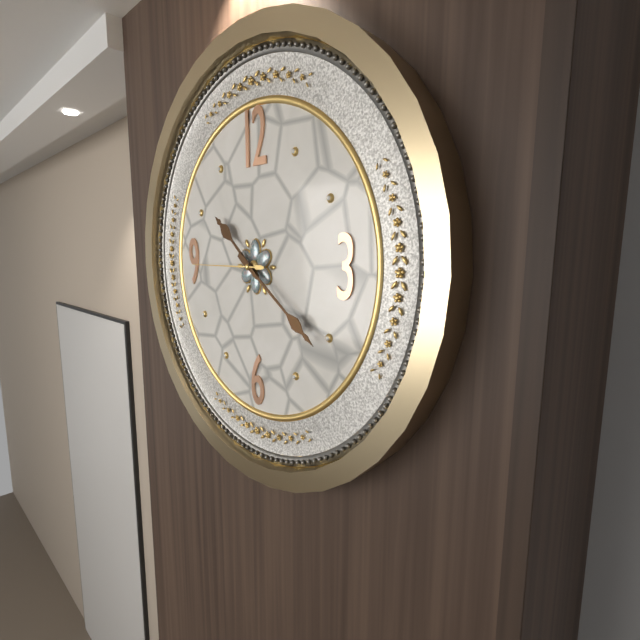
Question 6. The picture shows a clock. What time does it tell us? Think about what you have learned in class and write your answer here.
10:21:45
